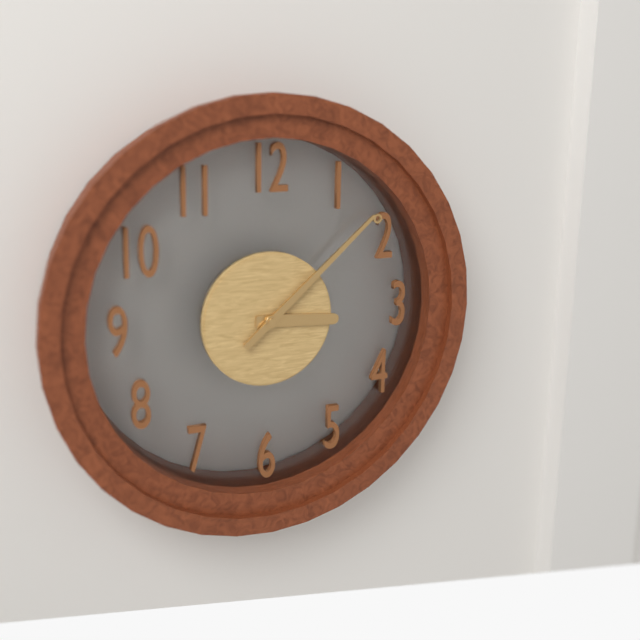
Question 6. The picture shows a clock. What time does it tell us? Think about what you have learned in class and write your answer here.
3:08
